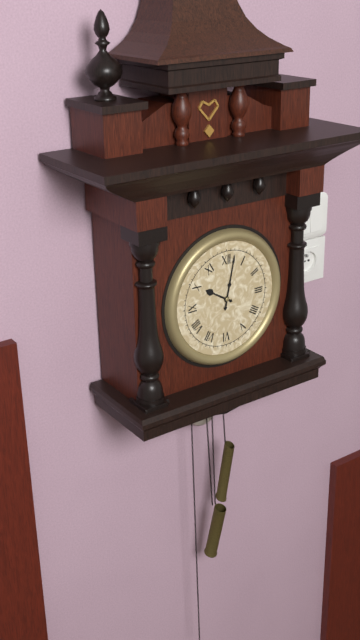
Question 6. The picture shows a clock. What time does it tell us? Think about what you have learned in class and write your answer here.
10:02
